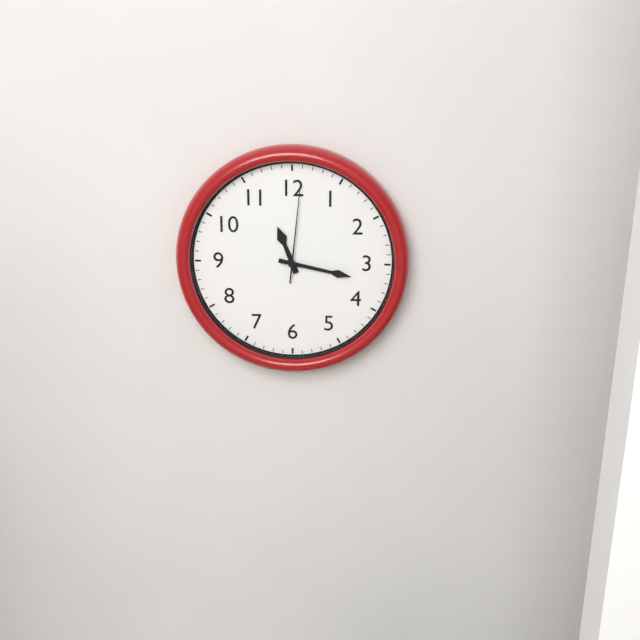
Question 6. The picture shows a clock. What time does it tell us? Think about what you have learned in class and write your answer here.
11:17:01
